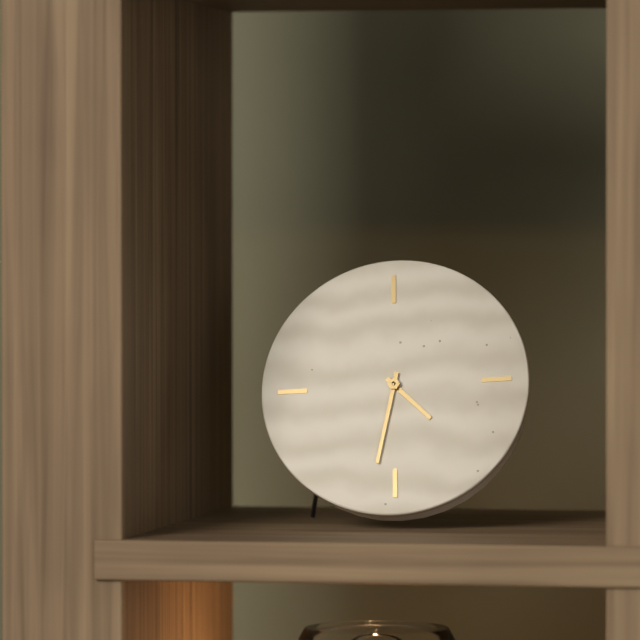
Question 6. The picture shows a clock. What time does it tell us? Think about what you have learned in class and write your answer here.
4:32
